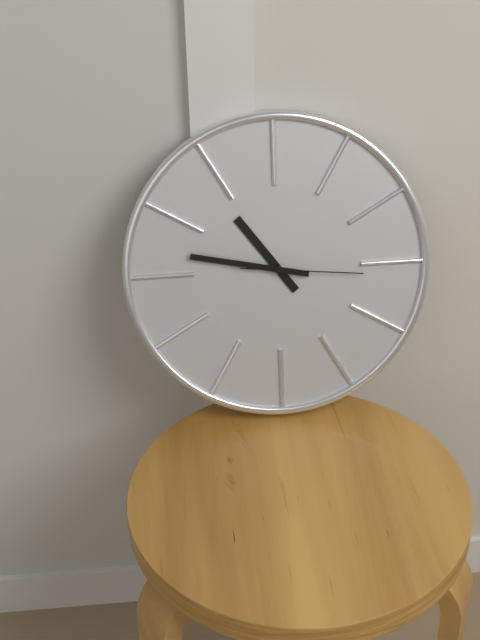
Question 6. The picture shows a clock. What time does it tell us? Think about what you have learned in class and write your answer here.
10:47:16
